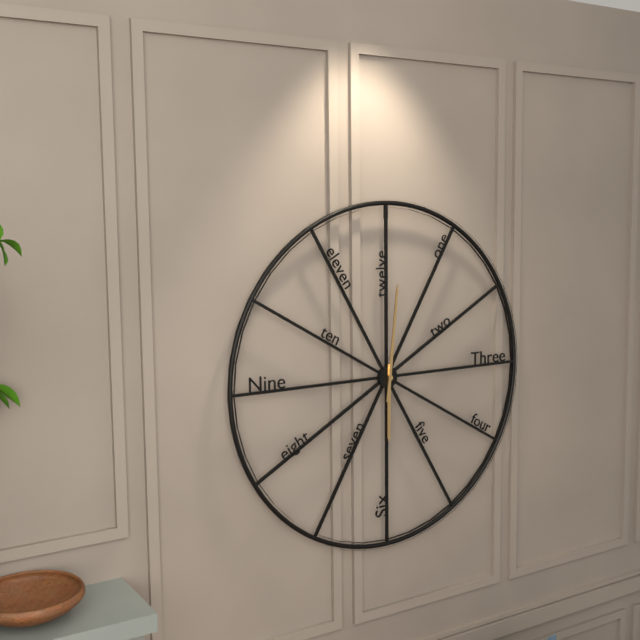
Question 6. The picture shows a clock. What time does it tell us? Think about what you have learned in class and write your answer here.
6:01
